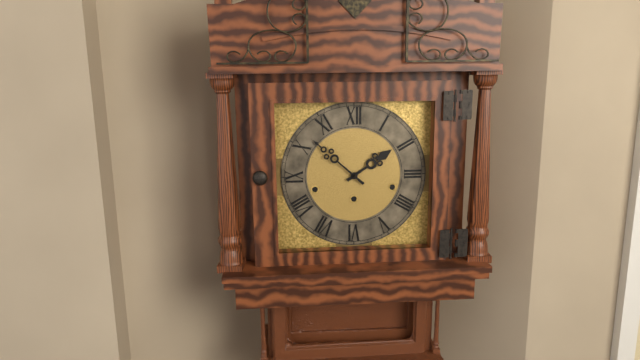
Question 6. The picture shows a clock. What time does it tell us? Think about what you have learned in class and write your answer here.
1:52
